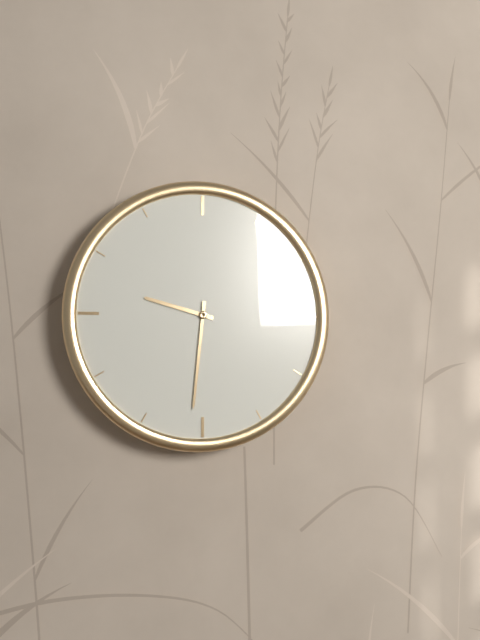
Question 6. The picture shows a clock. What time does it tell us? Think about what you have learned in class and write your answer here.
9:31
